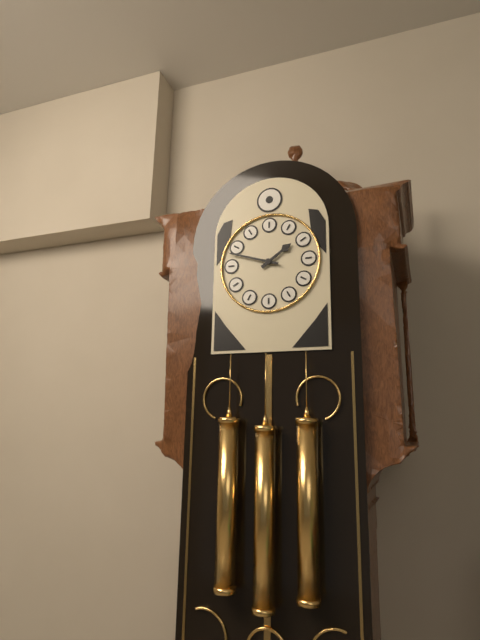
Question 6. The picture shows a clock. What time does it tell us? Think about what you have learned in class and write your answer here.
1:48
